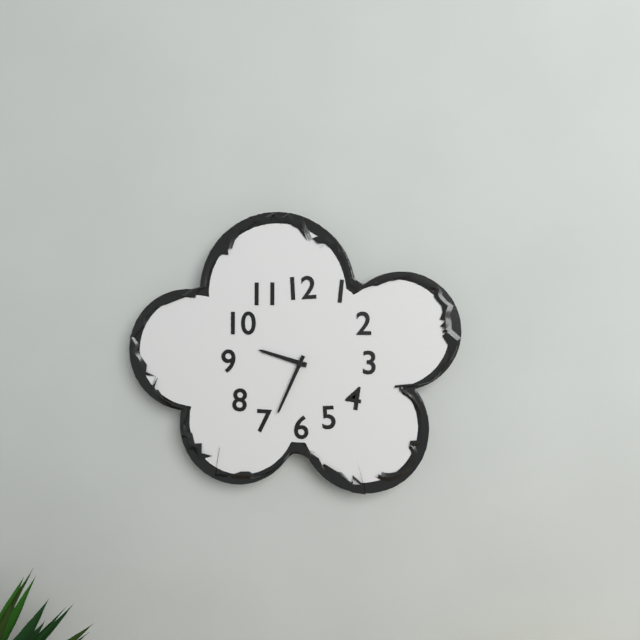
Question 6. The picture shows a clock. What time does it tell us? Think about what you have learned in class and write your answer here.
9:34
